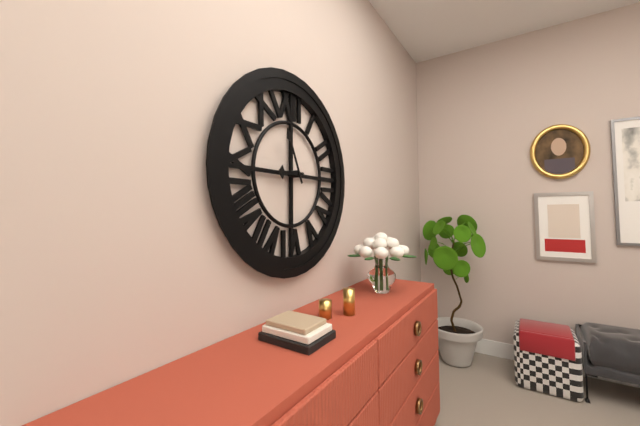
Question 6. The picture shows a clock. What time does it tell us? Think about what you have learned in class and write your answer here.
8:56
